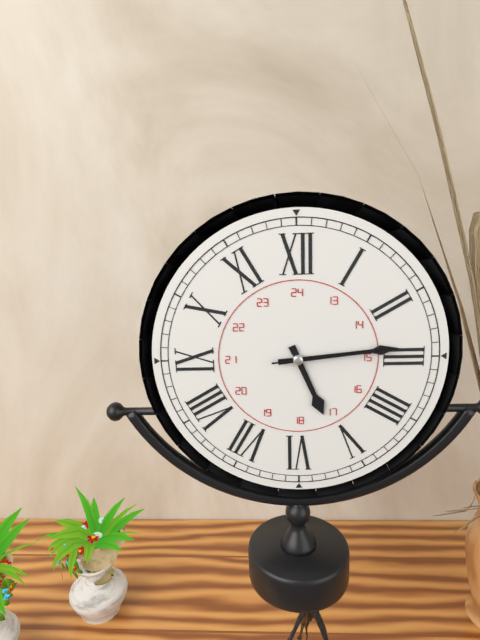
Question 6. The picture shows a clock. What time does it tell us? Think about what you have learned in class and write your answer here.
5:14:14
